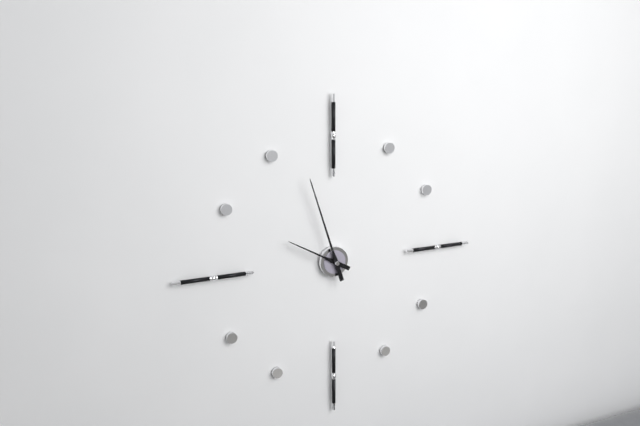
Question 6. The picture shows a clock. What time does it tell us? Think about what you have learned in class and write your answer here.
9:57
